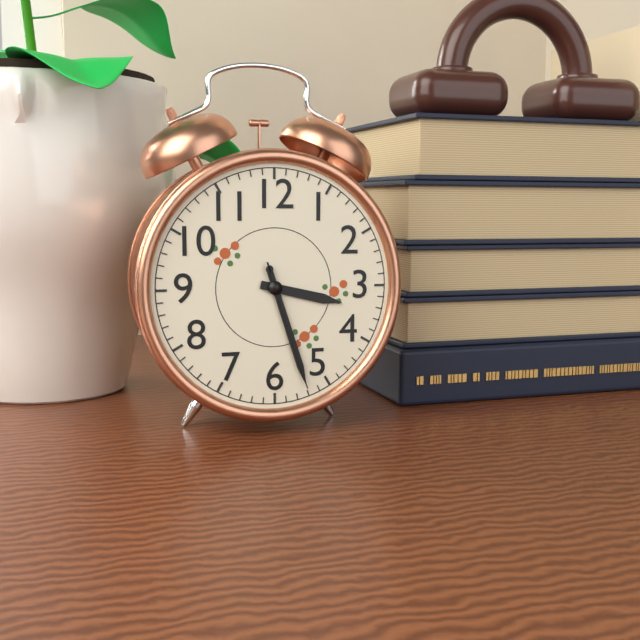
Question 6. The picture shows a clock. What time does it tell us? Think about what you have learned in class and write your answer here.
3:27:27
